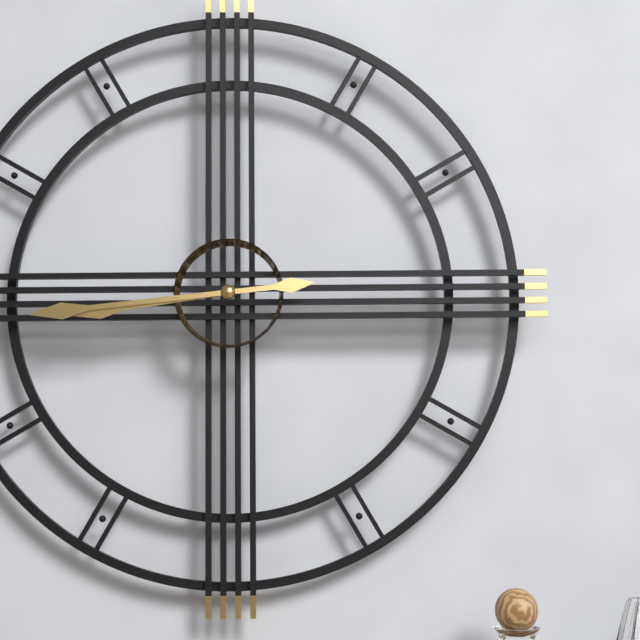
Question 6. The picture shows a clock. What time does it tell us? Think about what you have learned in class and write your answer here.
8:44
